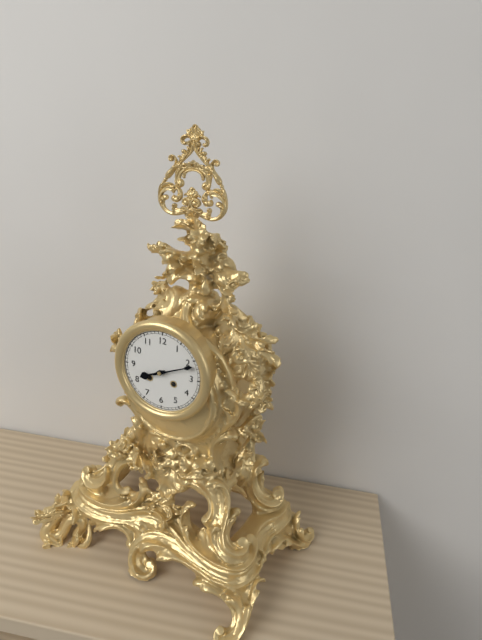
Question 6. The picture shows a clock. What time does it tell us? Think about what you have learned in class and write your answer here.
8:11
